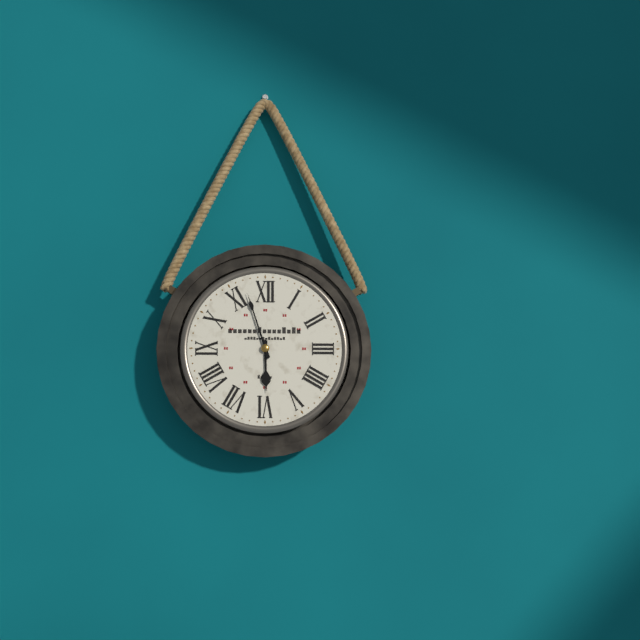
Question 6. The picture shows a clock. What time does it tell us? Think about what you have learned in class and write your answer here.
5:57
